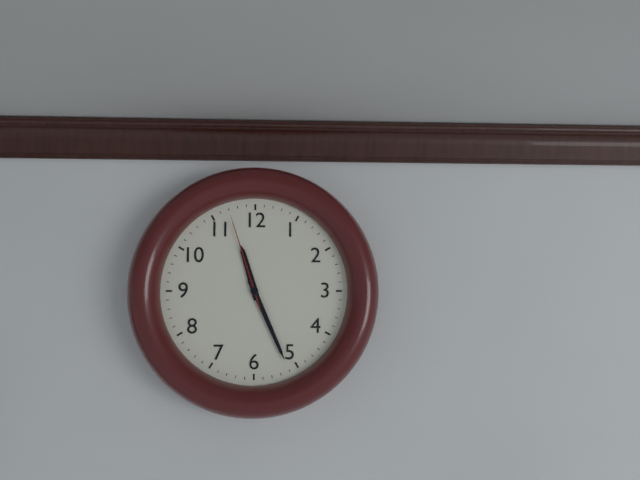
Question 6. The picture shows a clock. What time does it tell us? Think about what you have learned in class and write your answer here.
11:26:57
